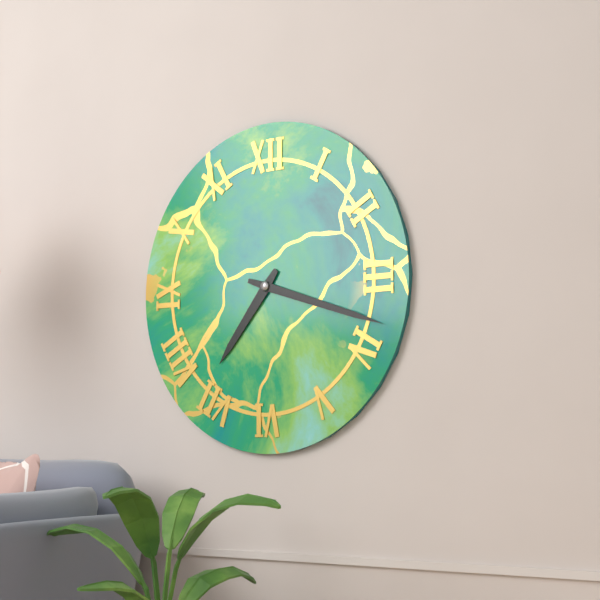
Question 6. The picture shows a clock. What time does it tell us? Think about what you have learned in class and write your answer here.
7:18
